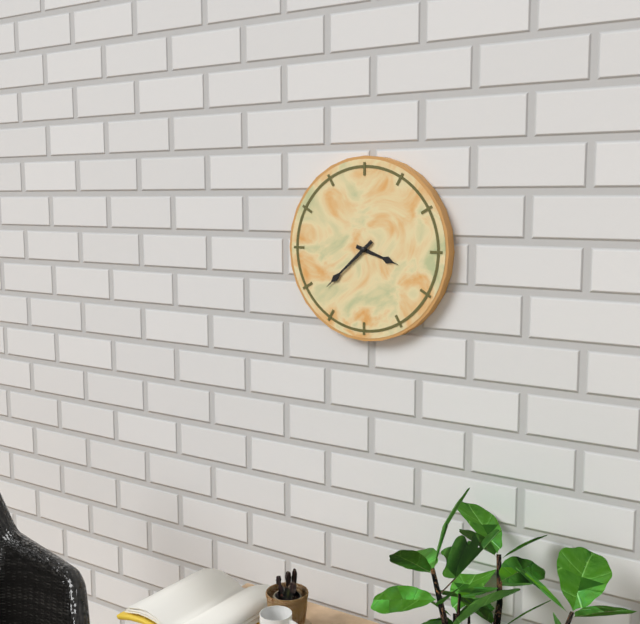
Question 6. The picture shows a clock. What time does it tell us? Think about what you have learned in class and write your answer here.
3:38
